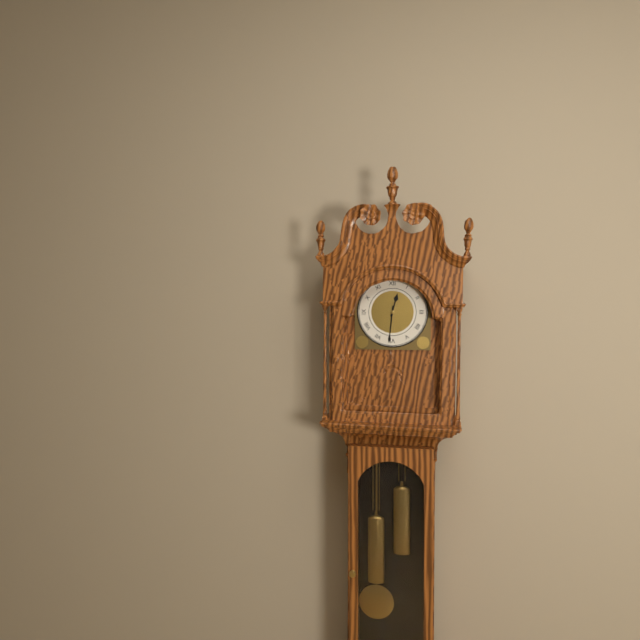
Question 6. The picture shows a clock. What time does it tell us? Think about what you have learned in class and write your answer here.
12:31
